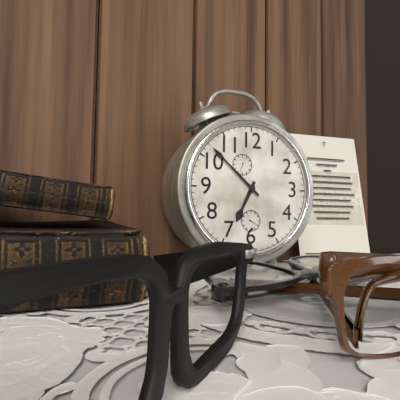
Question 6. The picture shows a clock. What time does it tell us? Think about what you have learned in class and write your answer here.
6:52
